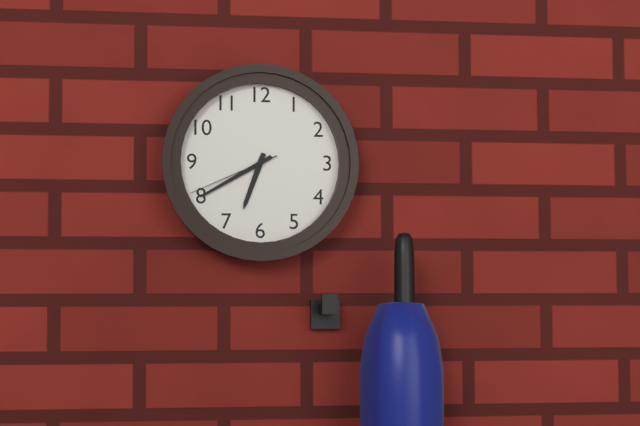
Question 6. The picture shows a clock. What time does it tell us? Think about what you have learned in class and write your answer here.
6:40:41
